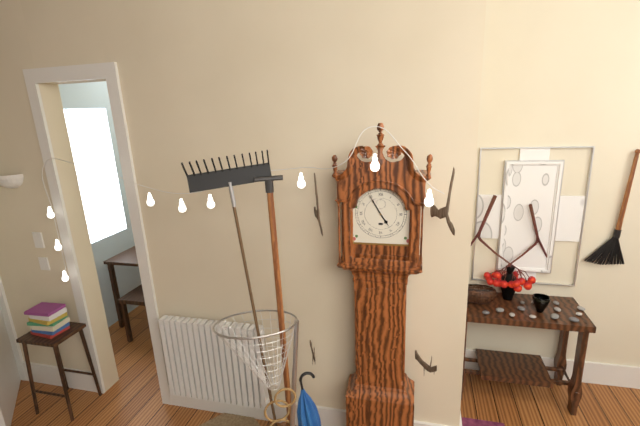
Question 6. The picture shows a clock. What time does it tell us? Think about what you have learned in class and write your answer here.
4:55
